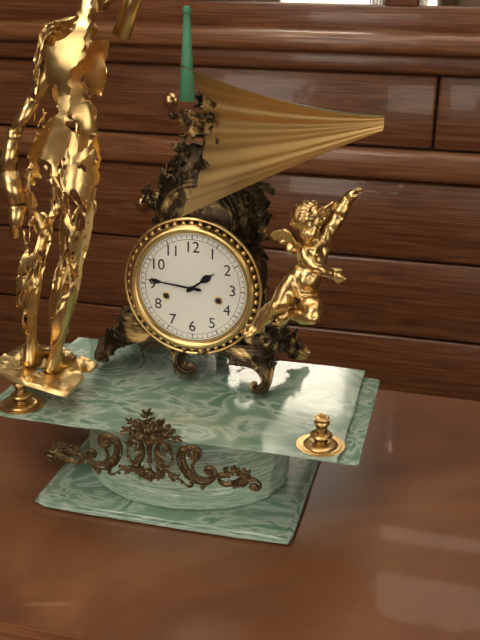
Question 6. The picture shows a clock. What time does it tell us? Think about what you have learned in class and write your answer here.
1:46
